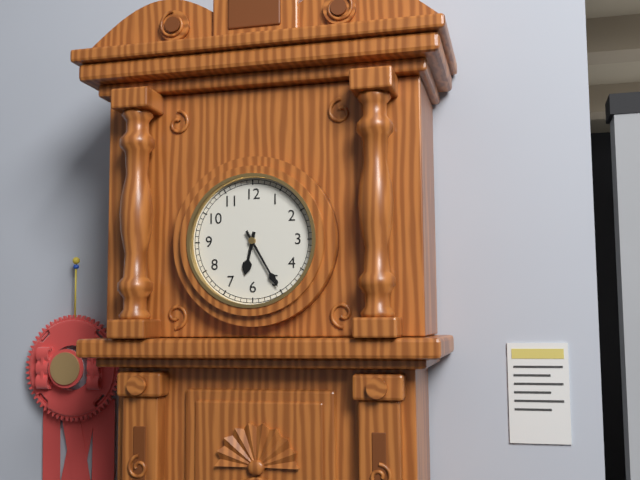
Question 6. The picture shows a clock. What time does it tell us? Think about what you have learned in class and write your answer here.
6:25
